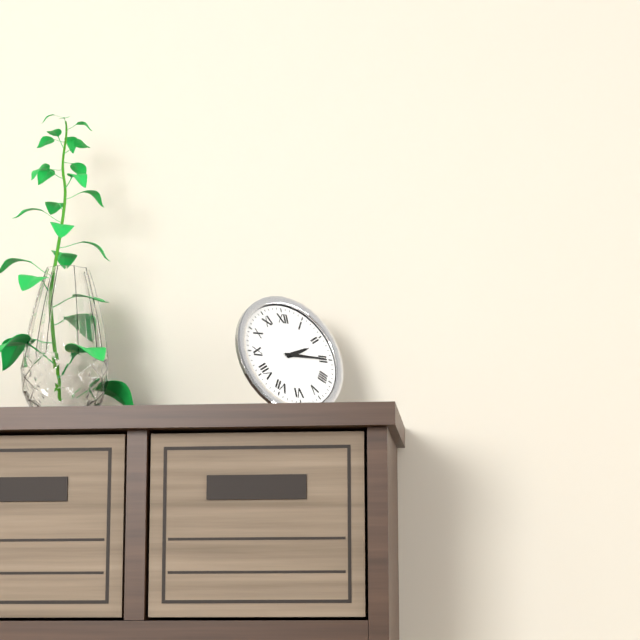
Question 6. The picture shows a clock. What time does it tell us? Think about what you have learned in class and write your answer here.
2:15
